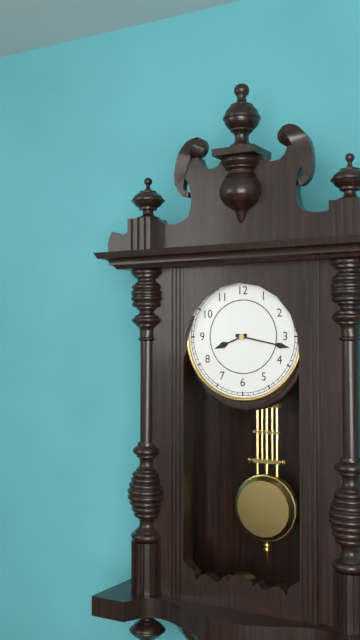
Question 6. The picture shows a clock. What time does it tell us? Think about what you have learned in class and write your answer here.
8:17
